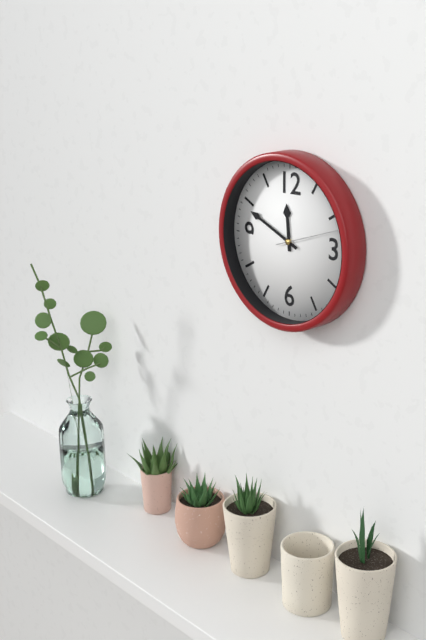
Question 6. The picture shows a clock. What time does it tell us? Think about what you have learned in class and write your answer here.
11:49:12
